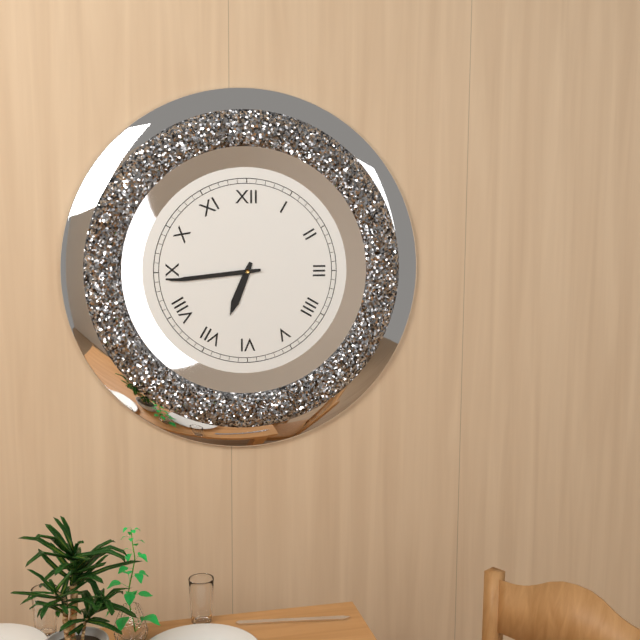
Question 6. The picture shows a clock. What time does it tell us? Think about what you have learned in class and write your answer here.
6:44
